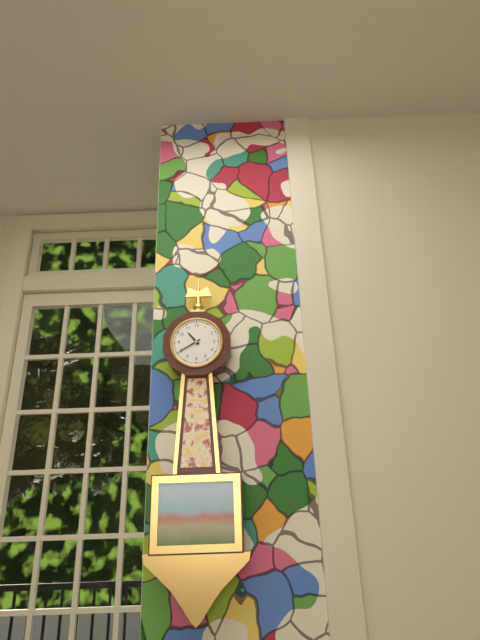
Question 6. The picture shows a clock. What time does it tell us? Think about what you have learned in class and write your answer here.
10:40
